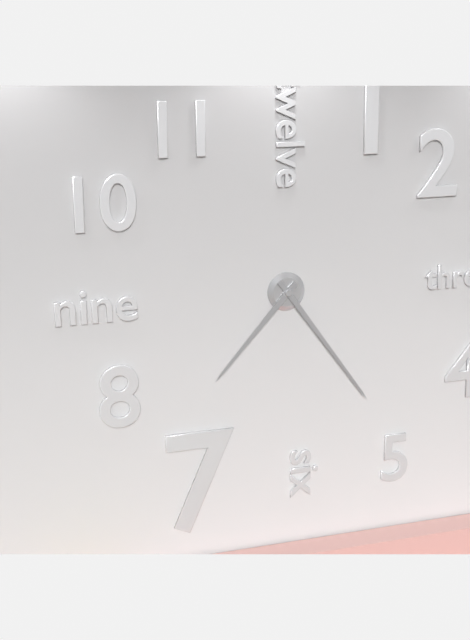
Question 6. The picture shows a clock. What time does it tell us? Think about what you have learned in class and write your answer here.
7:24
